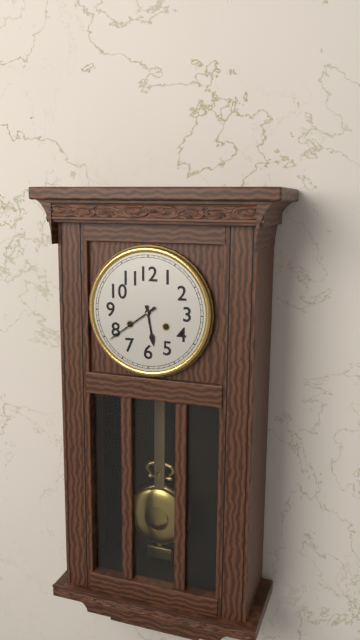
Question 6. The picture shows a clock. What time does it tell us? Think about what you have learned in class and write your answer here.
5:39
